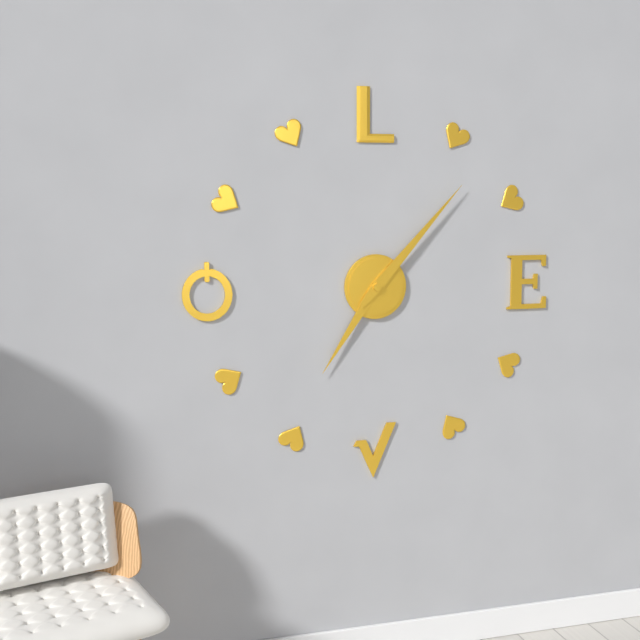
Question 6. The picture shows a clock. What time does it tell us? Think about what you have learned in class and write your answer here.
7:07
